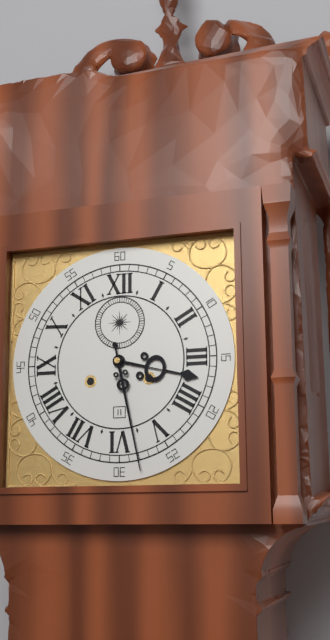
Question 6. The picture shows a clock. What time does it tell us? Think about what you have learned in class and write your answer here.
3:28
